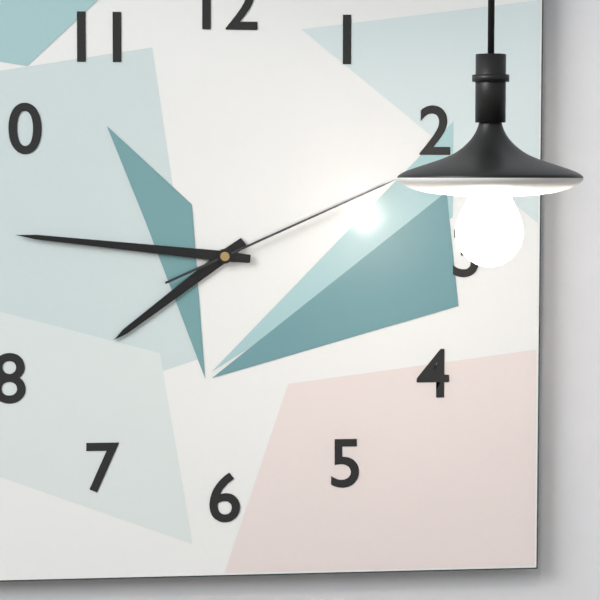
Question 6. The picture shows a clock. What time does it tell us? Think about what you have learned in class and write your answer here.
7:46:11
